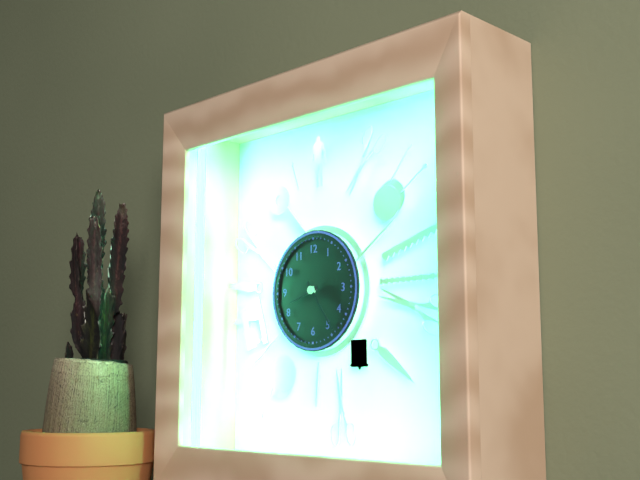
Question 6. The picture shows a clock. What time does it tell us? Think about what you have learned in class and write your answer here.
8:24
